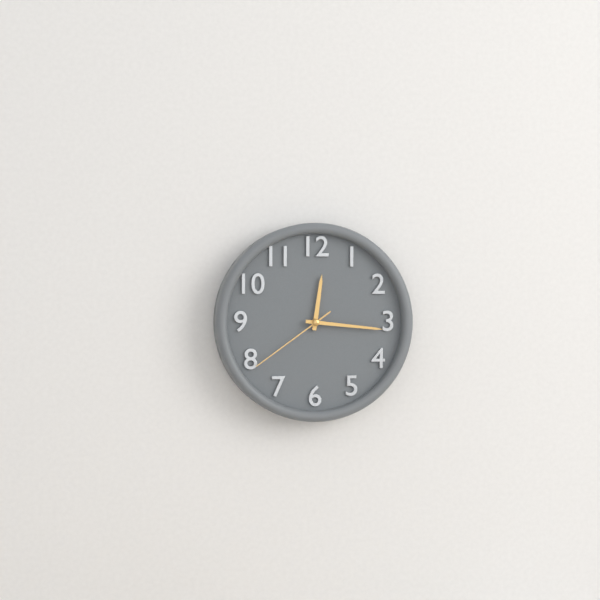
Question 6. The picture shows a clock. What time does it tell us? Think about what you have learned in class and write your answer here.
12:16:39
